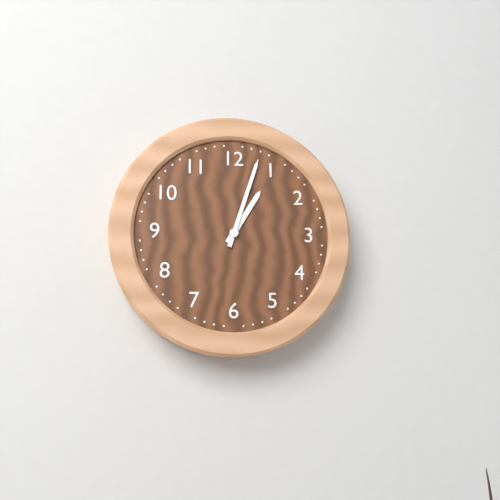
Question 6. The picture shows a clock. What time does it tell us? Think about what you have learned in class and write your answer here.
1:03
